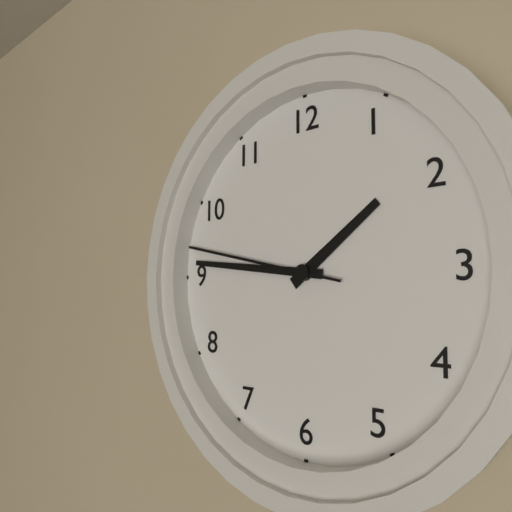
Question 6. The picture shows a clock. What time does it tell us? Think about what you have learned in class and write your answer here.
1:46:47
